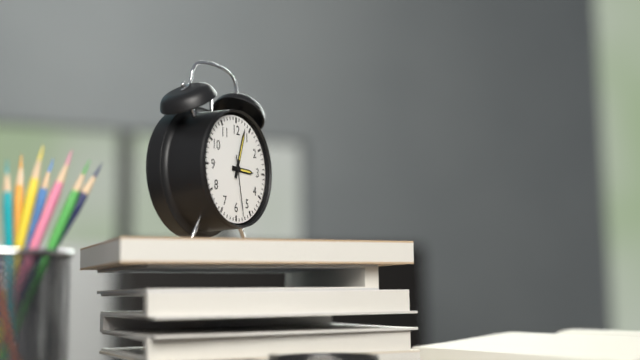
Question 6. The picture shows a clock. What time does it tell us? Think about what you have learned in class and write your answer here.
3:03:28
